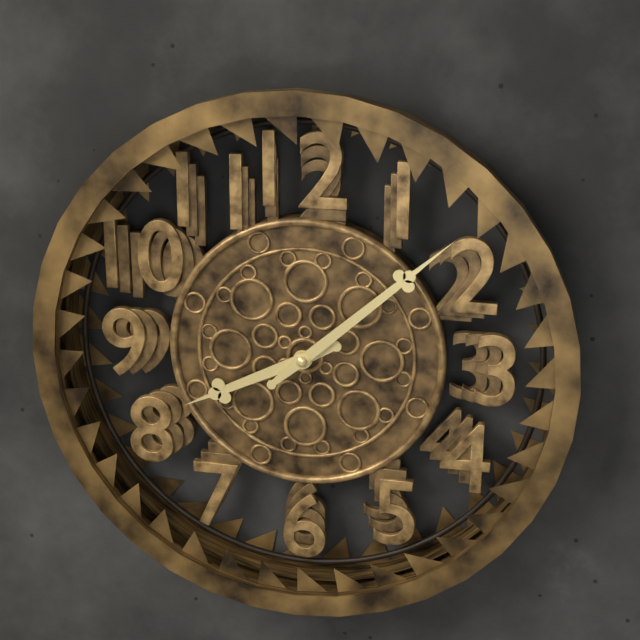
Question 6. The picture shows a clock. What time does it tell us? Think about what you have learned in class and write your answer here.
8:08
